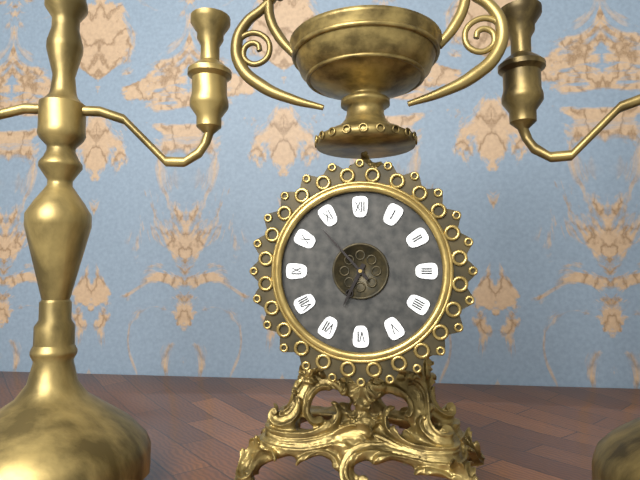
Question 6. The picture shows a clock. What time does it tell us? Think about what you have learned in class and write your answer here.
6:53
